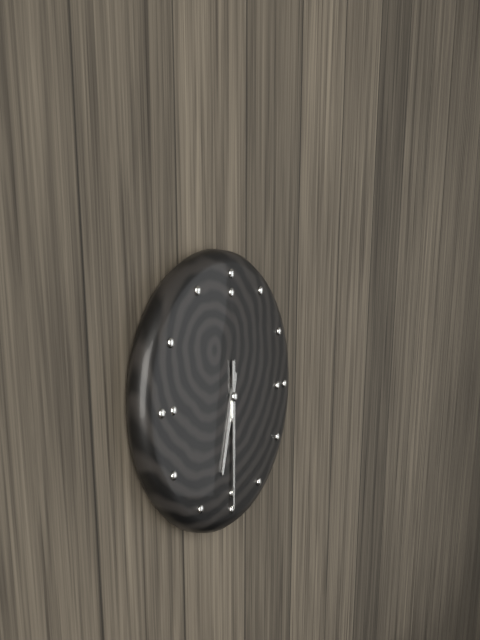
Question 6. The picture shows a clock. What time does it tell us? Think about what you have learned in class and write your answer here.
6:30
